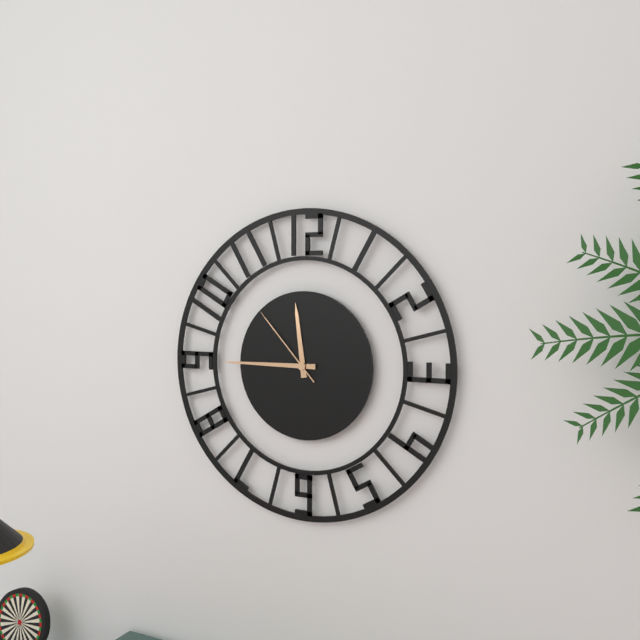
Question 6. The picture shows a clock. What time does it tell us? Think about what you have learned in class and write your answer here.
11:45:53
